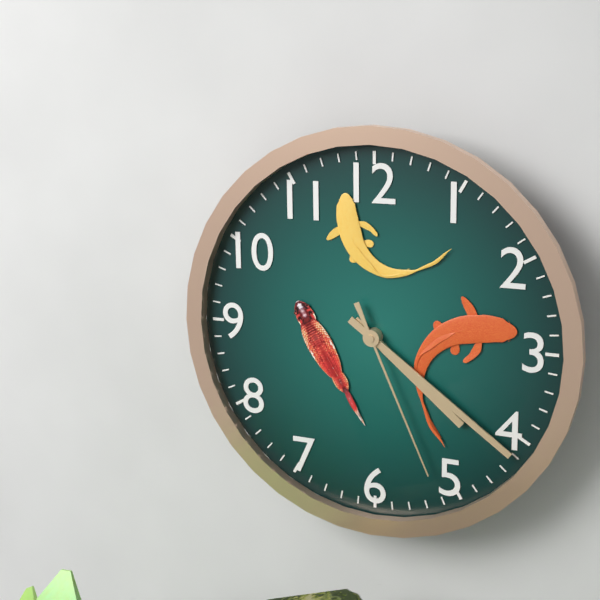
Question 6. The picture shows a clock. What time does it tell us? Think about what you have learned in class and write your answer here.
4:21:26
